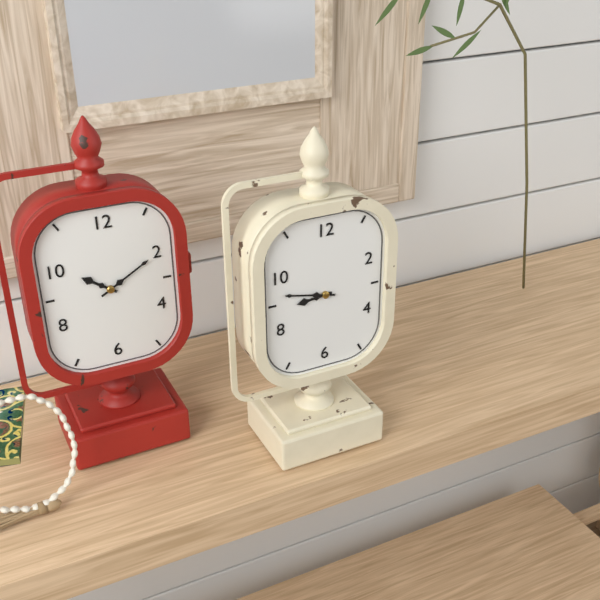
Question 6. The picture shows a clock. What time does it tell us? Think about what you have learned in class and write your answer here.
8:47
